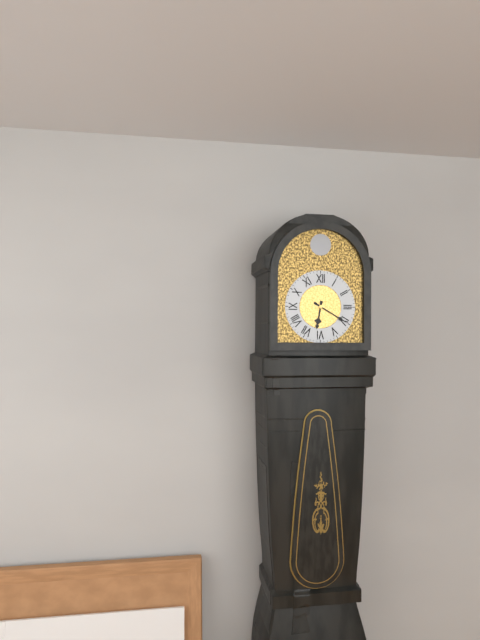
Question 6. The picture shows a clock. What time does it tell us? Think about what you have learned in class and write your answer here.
6:20
